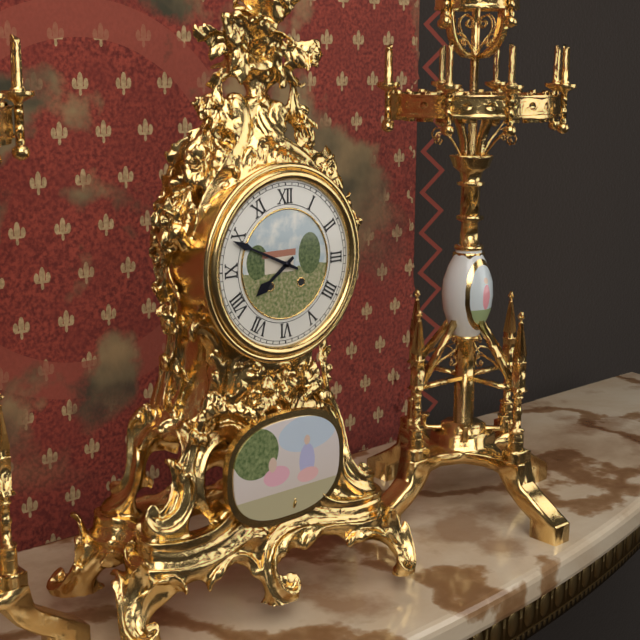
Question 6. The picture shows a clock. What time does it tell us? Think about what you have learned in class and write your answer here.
7:49
